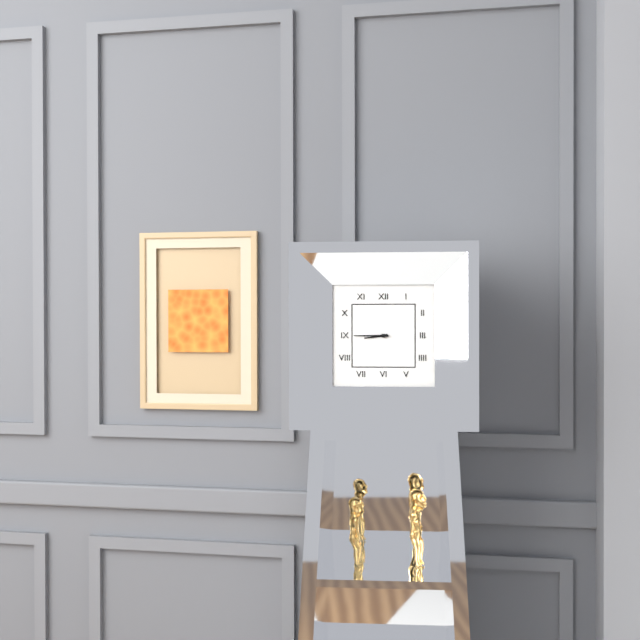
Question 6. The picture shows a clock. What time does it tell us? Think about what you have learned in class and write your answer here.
8:45
